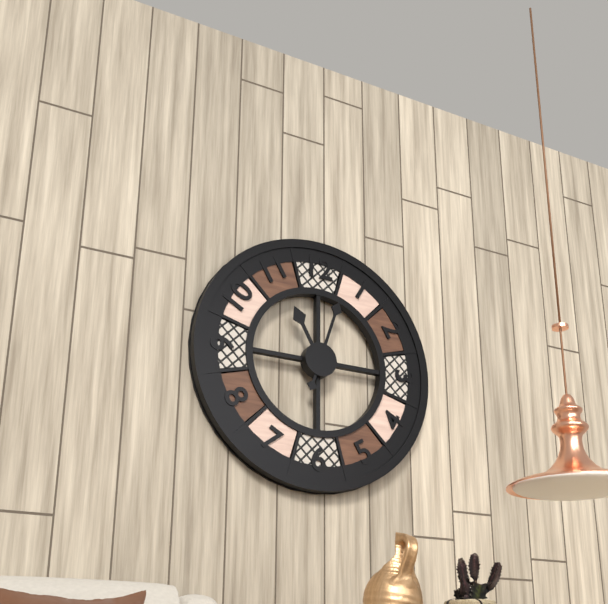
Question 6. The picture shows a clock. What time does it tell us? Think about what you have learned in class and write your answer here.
11:03
